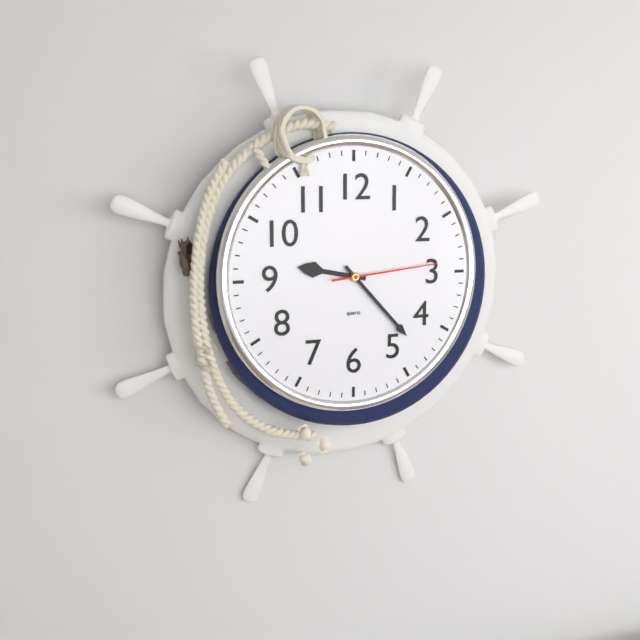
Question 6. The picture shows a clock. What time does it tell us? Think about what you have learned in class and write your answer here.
9:23:14
